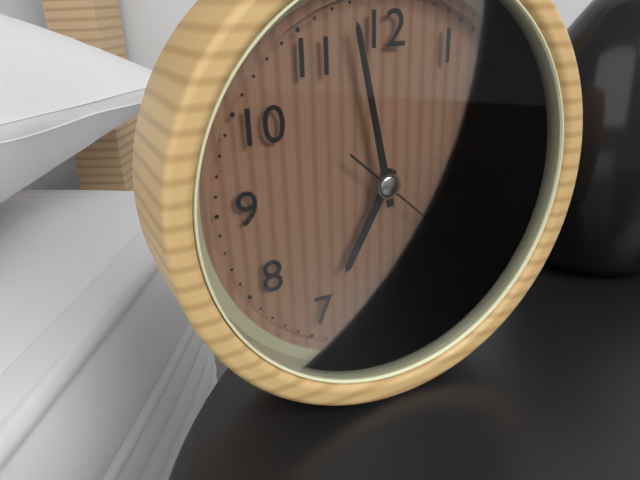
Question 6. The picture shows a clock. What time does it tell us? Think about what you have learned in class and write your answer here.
6:58:22
